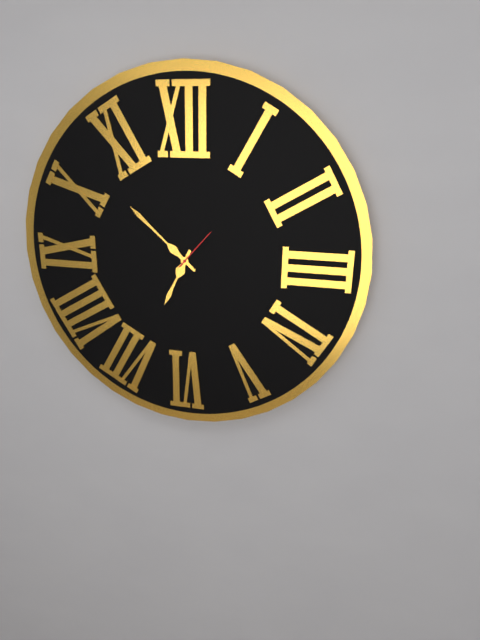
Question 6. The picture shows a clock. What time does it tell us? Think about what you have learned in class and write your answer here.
6:52:07
